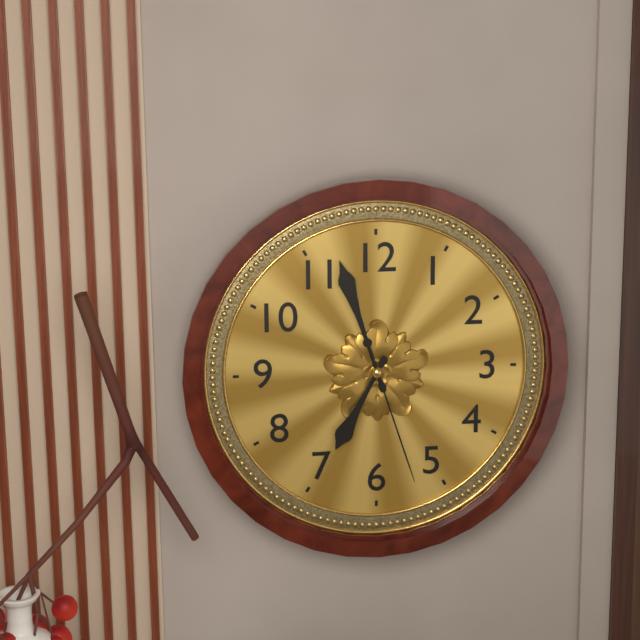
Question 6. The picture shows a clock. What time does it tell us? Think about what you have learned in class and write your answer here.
6:57:27
